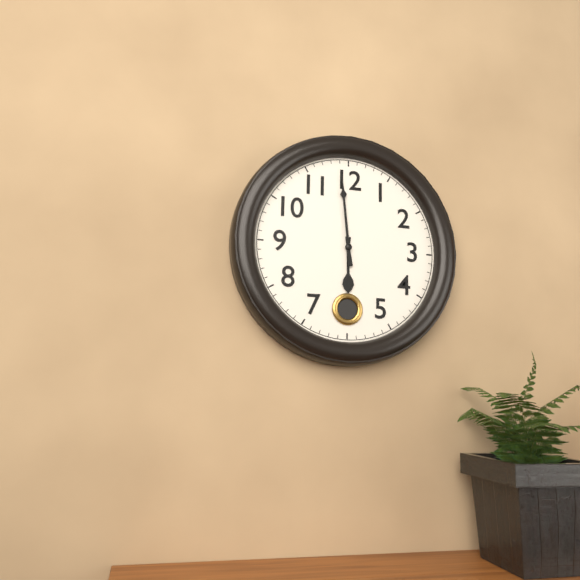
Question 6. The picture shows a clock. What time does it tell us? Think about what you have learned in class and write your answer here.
5:59
